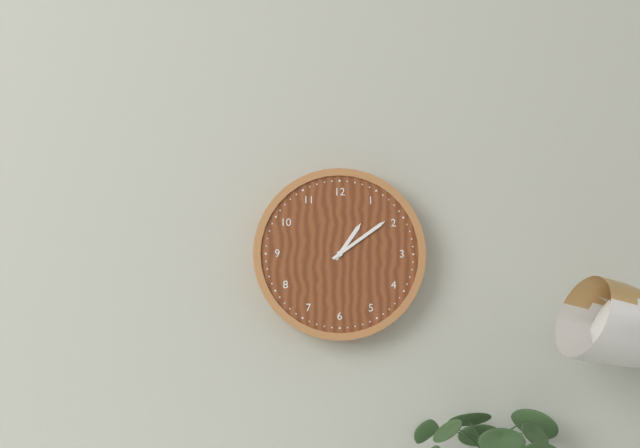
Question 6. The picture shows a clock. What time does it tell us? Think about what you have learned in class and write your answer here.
1:09
